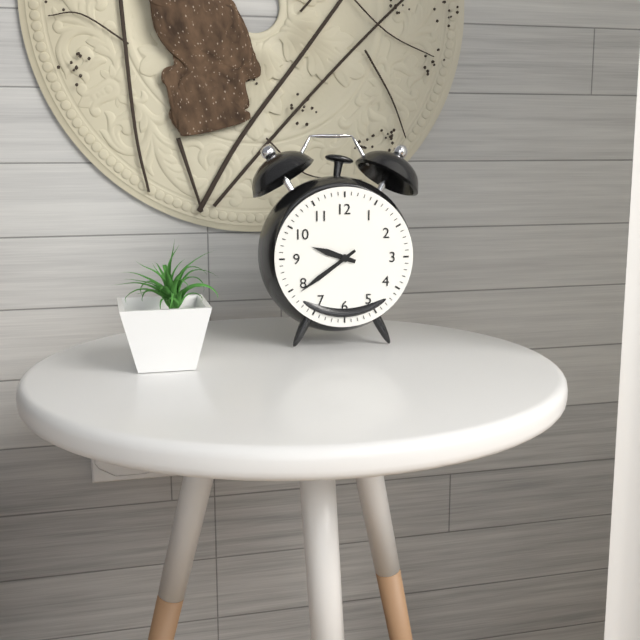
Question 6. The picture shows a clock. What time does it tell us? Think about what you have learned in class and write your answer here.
9:39
